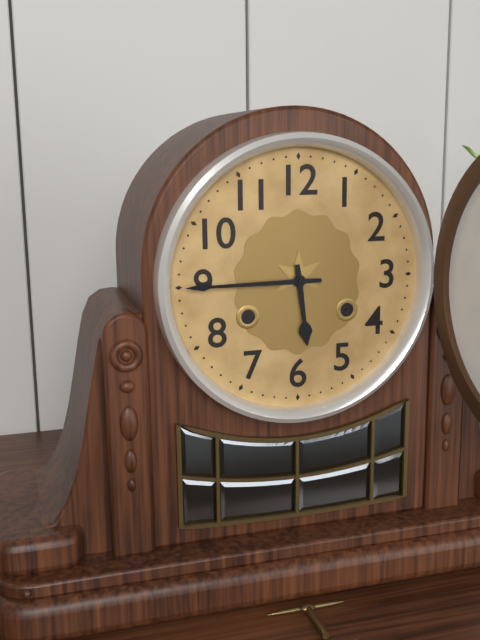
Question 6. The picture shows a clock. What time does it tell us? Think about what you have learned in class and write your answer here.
5:45
